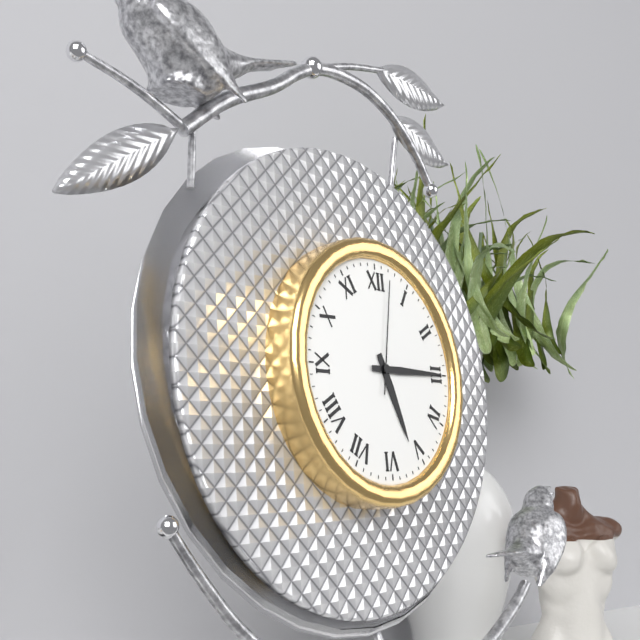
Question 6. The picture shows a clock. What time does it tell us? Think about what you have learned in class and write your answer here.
5:15:02
